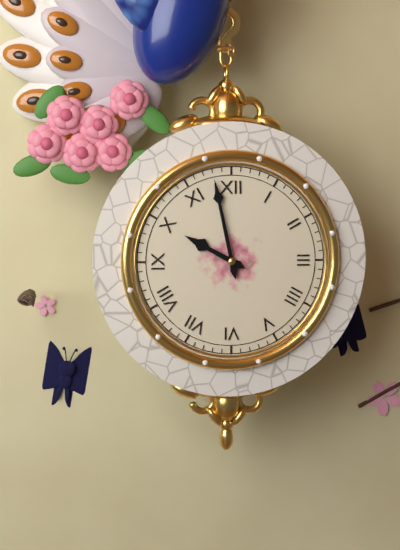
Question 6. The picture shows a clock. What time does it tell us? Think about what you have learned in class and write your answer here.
9:58
